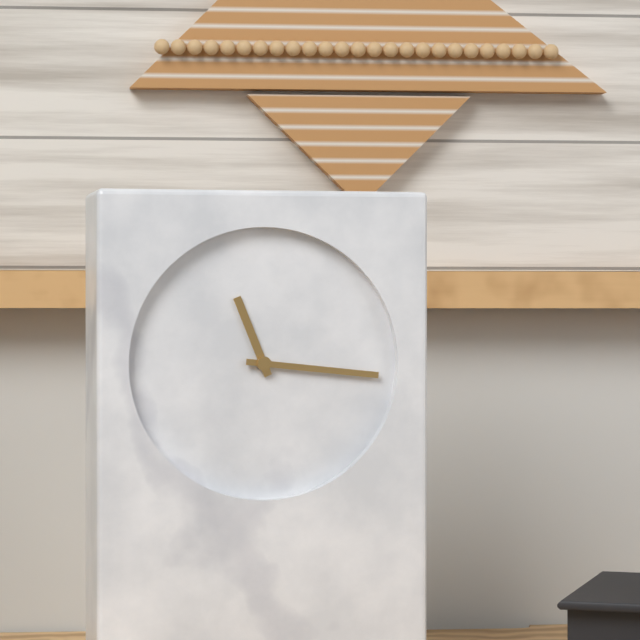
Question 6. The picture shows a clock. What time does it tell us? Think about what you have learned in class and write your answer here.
11:16
